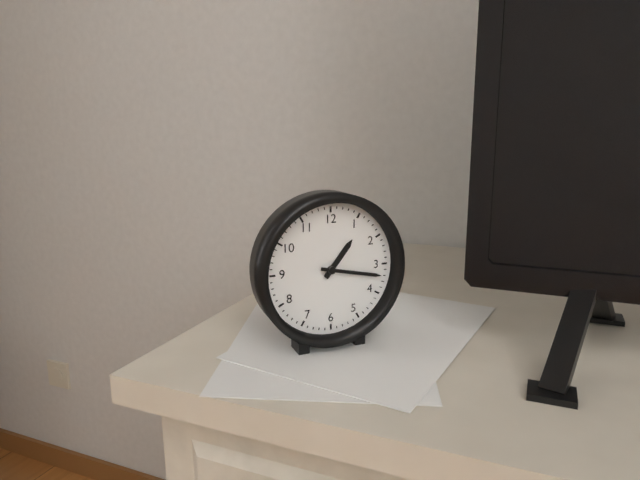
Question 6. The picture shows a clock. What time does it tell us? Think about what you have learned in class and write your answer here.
1:17
